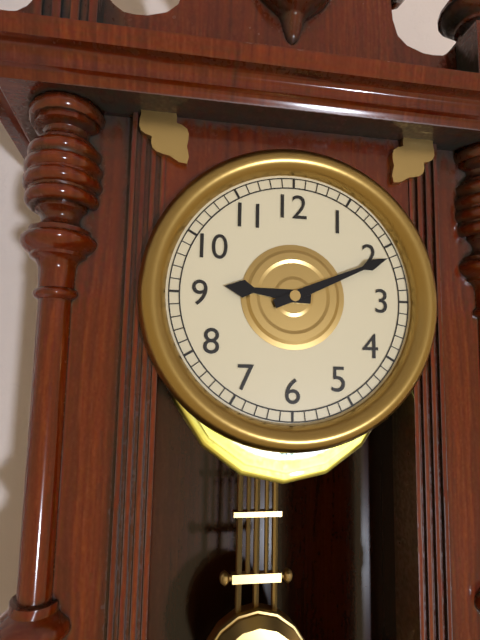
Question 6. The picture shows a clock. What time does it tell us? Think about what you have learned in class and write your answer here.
9:11
